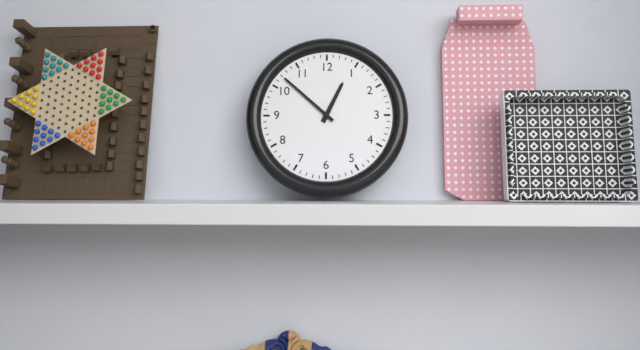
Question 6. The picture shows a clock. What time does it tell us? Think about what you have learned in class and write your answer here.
12:52
